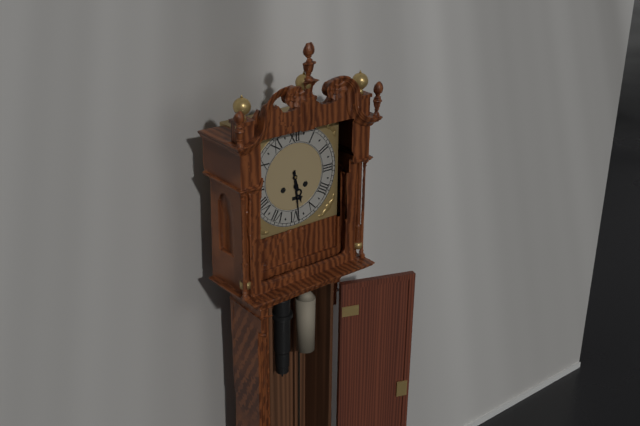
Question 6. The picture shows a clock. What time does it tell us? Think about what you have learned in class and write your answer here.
5:29
